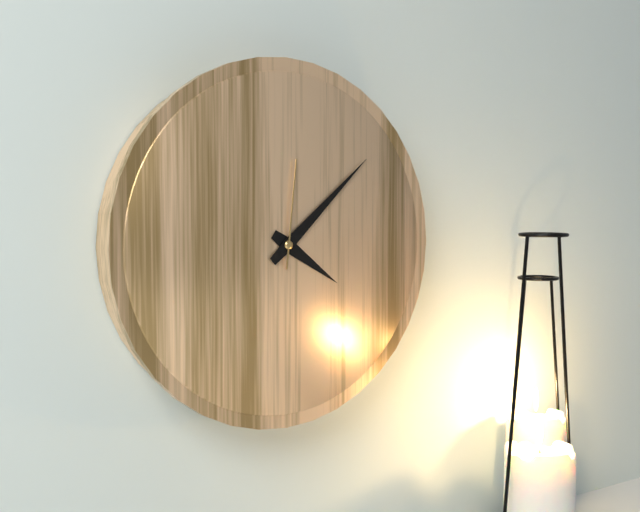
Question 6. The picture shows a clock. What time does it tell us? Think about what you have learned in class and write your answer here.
4:08:01
